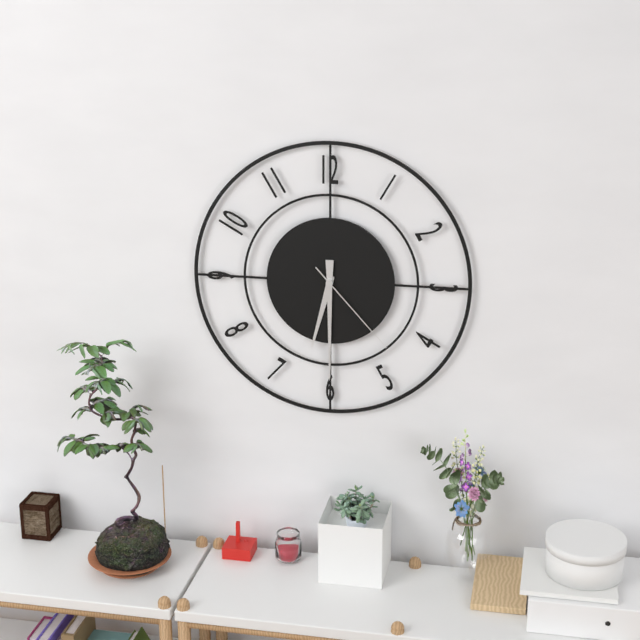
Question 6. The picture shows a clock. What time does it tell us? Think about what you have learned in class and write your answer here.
6:30:23
